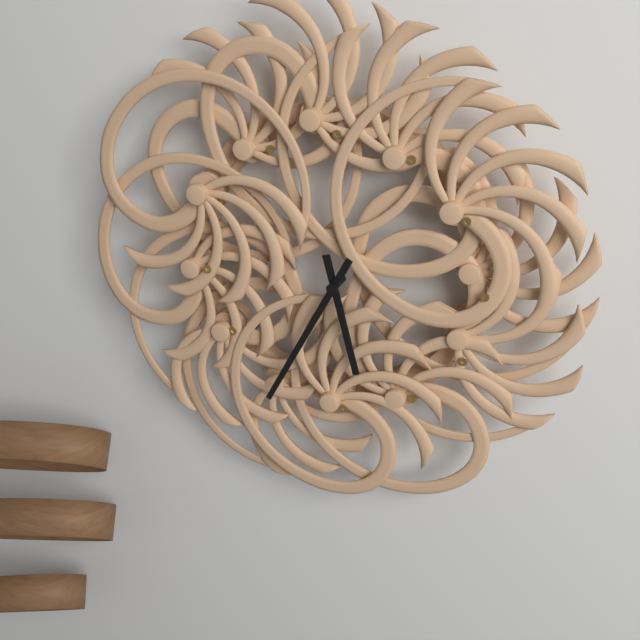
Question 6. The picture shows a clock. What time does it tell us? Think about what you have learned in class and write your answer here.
5:35
